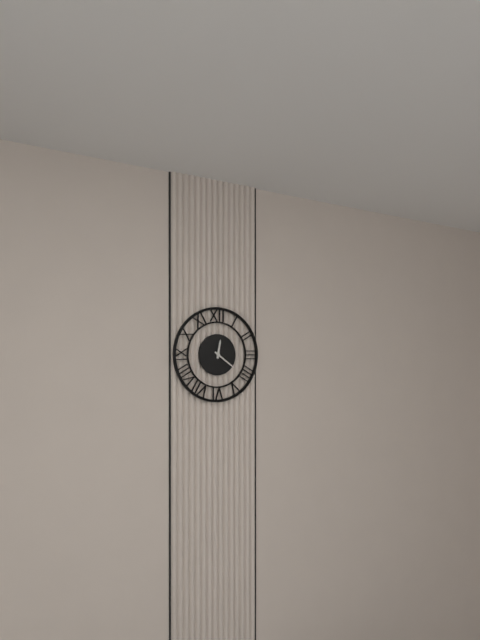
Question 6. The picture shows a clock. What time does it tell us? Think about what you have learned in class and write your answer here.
12:21
